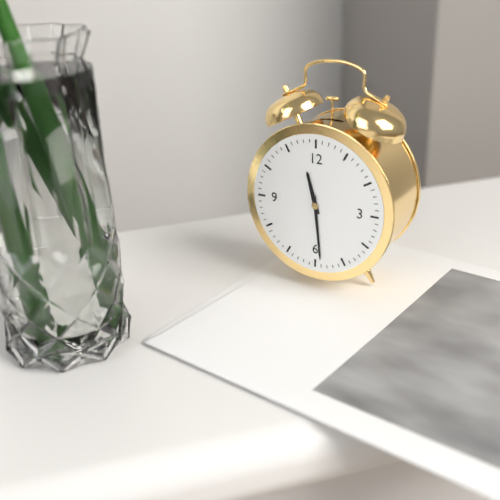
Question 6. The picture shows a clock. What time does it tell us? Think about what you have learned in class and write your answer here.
11:29
